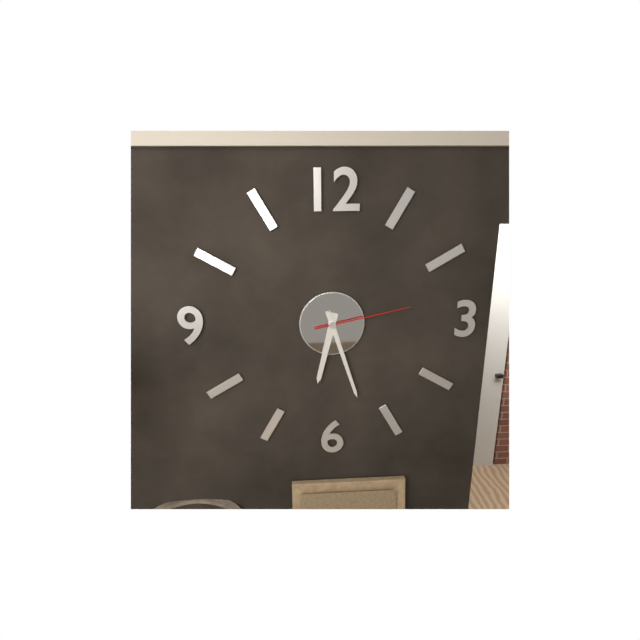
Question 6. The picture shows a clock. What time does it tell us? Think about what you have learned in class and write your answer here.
6:27:13
